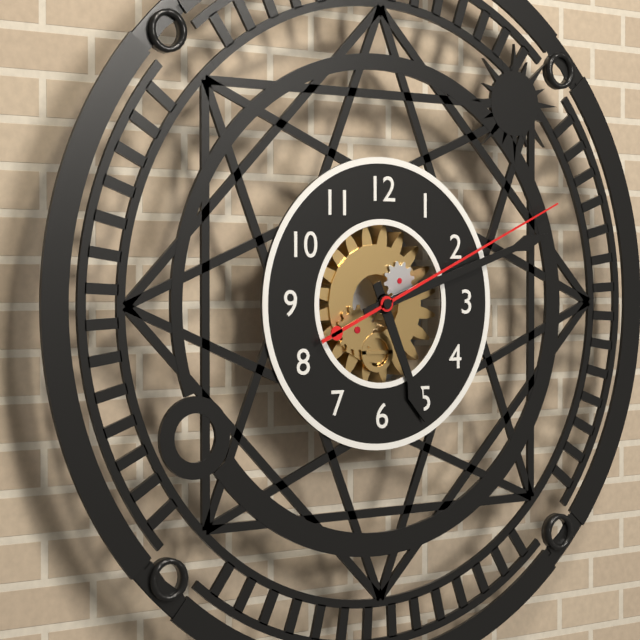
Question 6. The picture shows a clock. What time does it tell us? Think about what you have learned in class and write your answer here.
5:12:11
